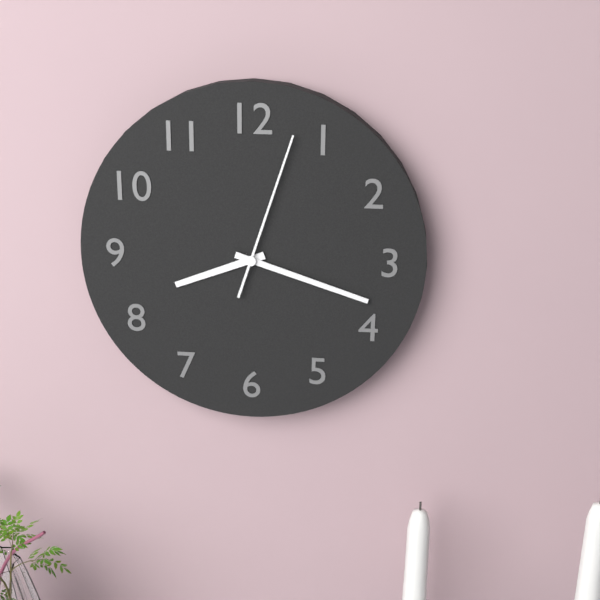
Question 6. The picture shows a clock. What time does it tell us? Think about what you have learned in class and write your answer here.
8:18:03
